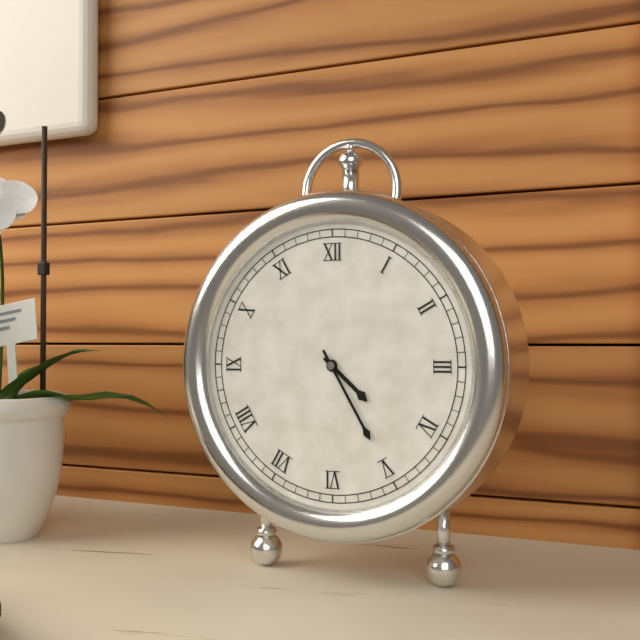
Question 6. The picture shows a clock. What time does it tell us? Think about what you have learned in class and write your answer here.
4:25
